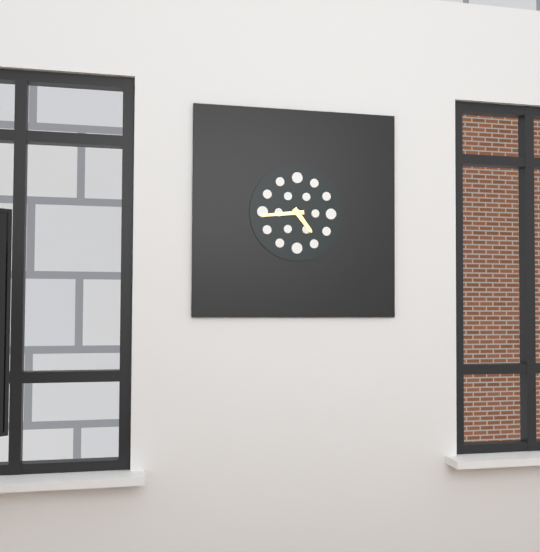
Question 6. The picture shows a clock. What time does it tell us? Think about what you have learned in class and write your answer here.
4:44
